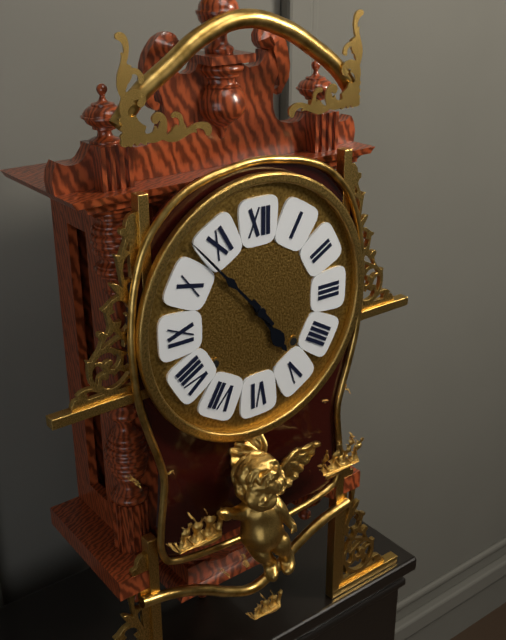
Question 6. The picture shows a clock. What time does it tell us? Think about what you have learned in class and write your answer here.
4:53
